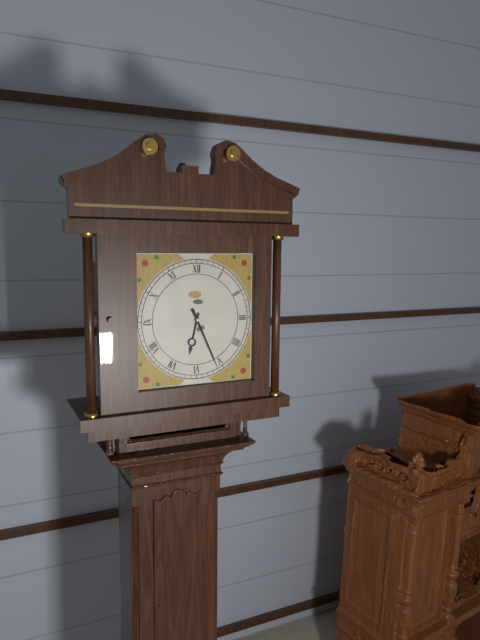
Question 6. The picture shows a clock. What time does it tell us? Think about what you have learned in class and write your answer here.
6:26
